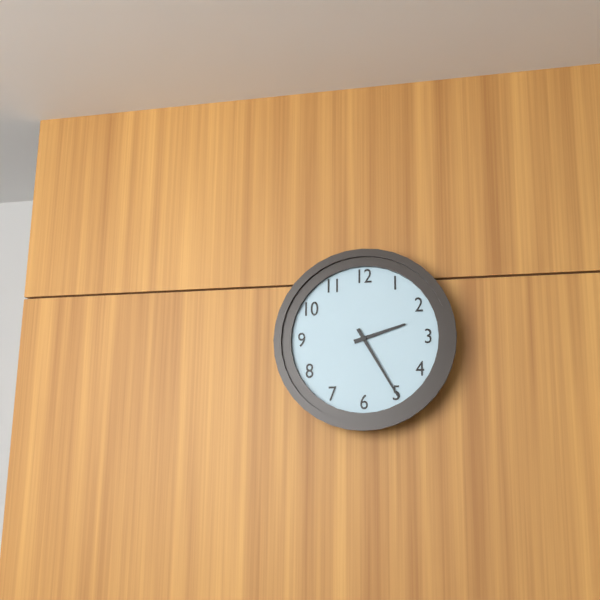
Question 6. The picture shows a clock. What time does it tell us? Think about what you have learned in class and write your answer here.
2:25
